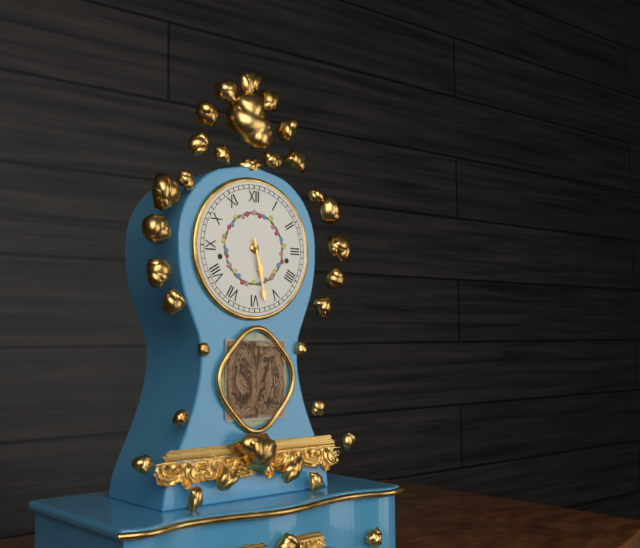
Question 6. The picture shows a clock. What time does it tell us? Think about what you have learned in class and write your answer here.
5:28
